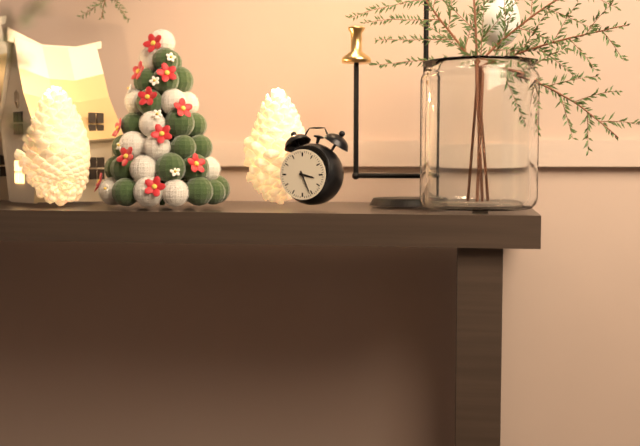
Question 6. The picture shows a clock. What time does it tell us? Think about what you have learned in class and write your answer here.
3:26
